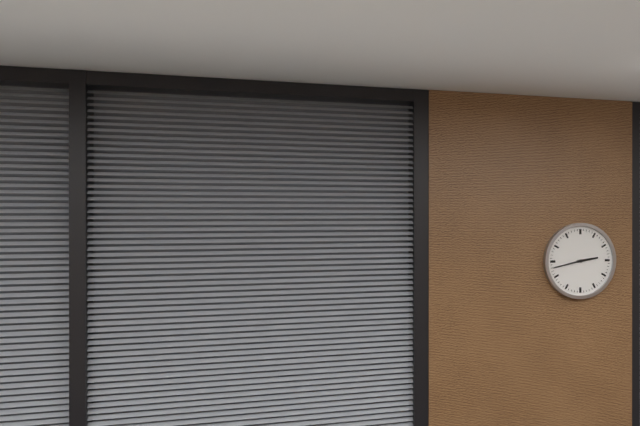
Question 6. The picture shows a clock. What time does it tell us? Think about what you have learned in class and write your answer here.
2:43
